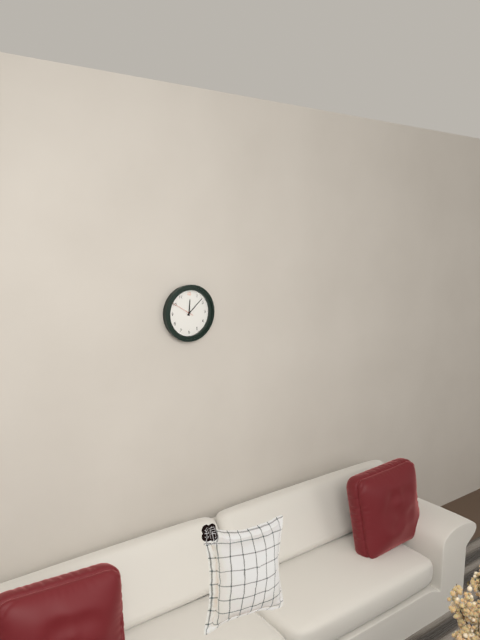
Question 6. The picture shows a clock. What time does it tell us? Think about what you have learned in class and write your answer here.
12:08
